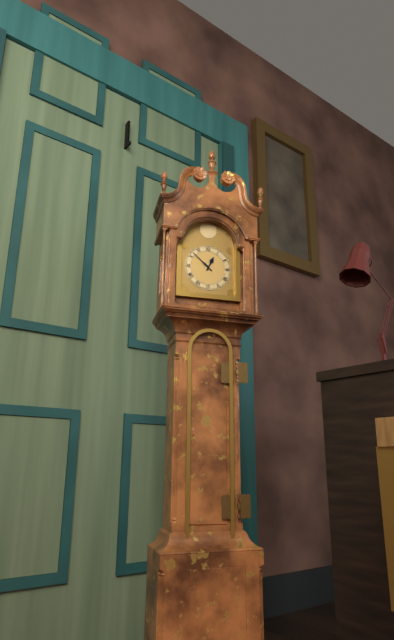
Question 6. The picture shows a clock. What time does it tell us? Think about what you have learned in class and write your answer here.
12:52
